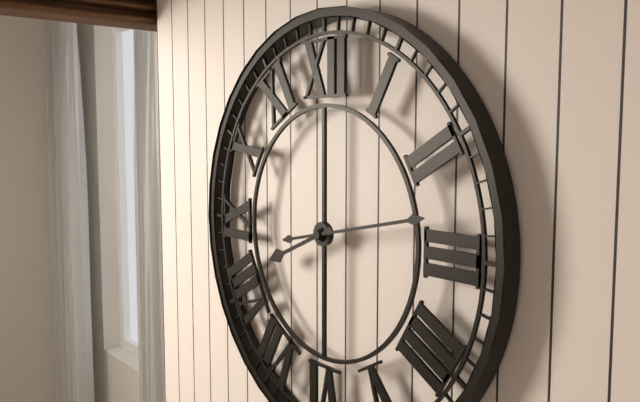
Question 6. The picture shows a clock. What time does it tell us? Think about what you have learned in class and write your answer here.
8:13
